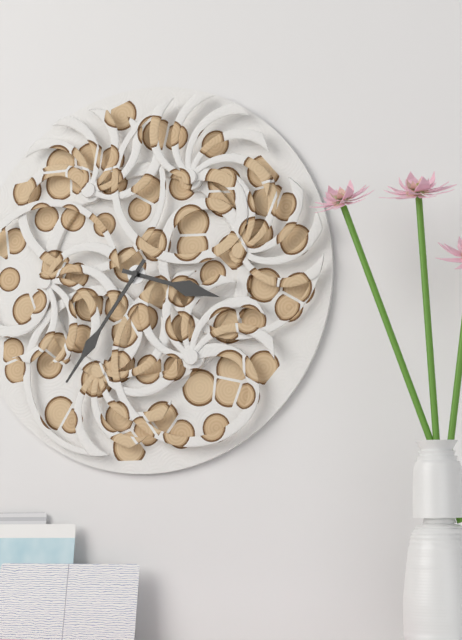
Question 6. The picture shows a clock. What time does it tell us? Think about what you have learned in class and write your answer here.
3:36
